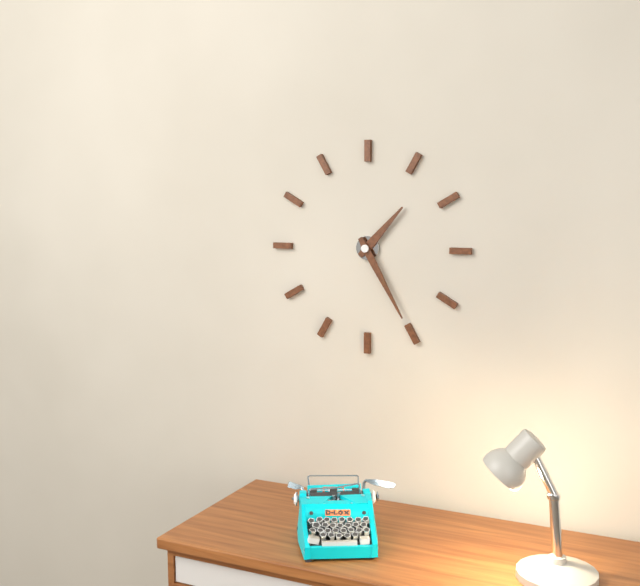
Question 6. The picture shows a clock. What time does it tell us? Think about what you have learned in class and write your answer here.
1:25
